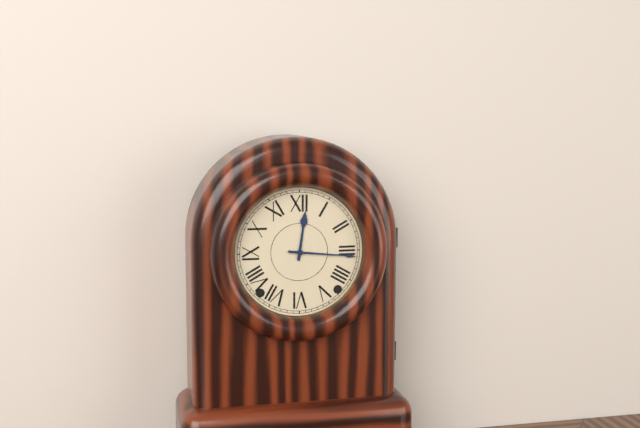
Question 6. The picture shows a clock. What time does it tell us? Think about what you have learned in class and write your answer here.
12:16
